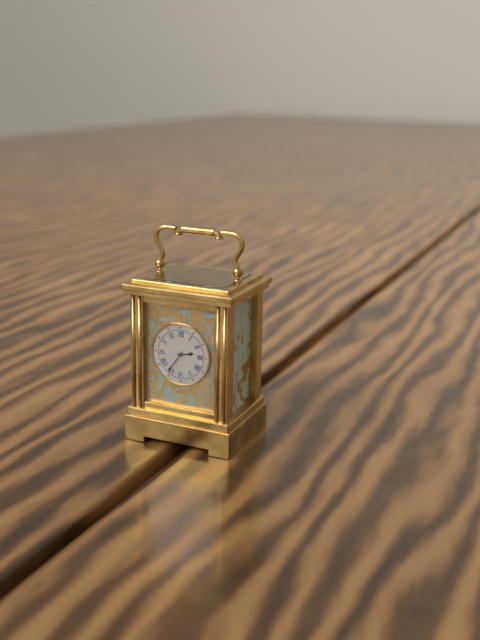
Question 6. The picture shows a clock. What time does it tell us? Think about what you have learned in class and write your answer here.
2:36
